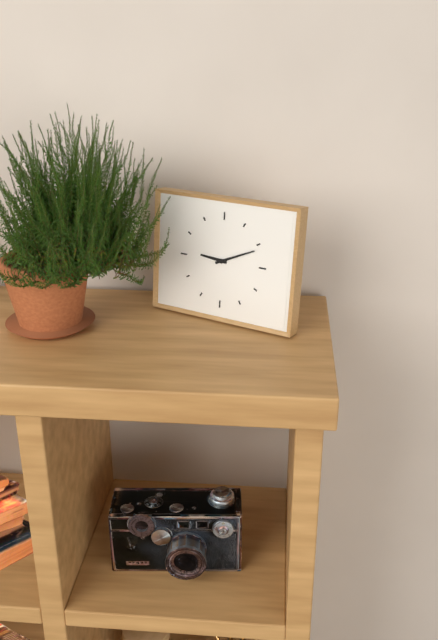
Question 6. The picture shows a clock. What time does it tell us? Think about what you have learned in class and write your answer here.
9:11
